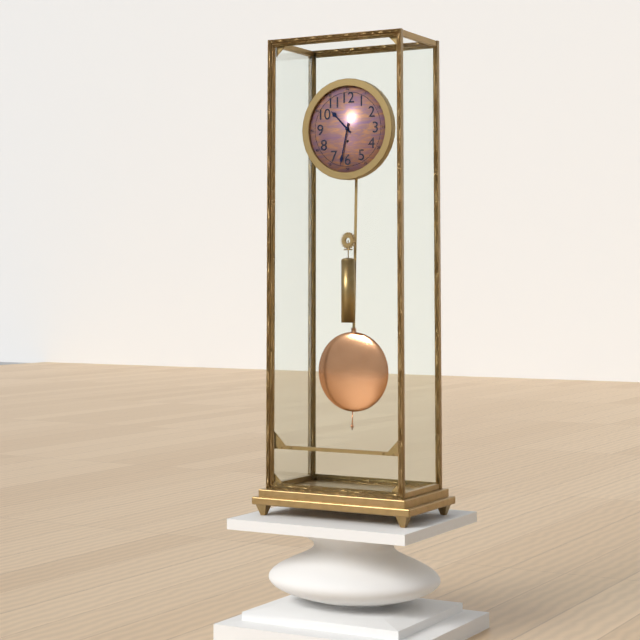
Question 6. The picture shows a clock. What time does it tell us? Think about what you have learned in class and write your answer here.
10:32
